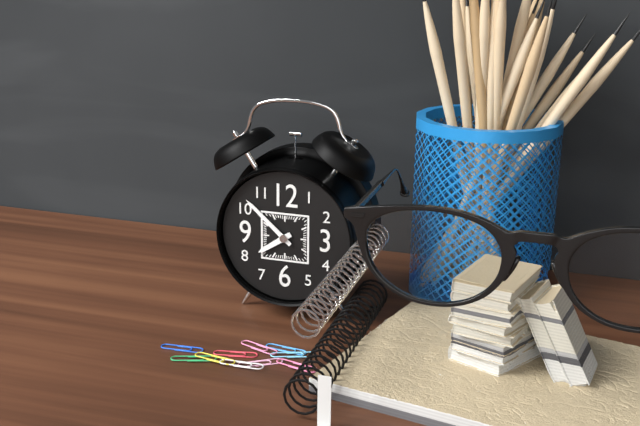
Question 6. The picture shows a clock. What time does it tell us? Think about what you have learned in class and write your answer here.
7:52
